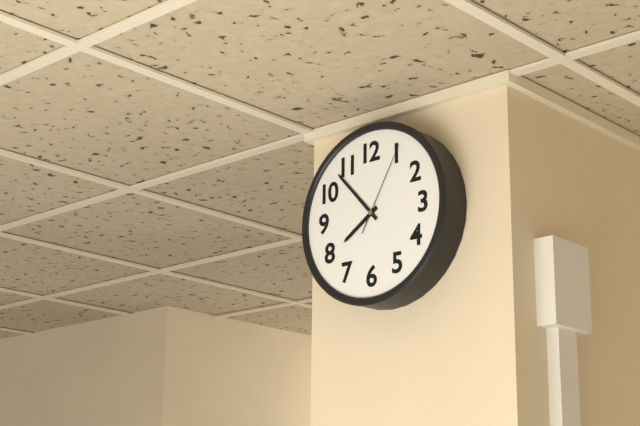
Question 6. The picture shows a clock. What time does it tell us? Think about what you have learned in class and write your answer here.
7:53:05
